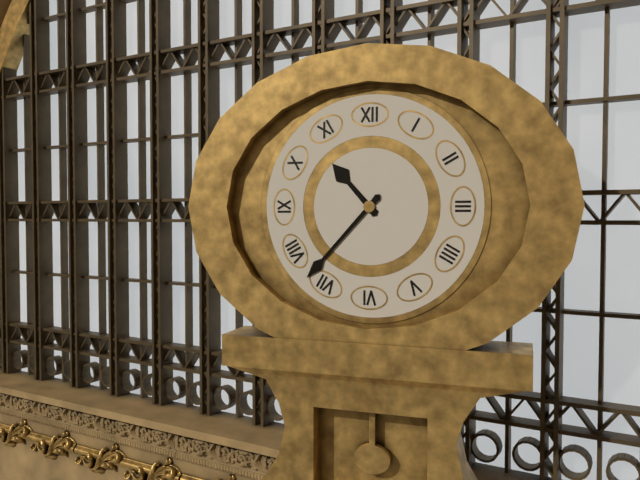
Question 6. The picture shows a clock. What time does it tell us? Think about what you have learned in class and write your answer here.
10:37
